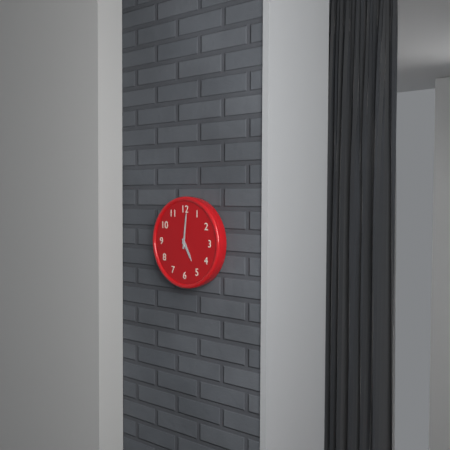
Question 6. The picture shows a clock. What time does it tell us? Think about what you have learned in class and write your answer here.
5:01
